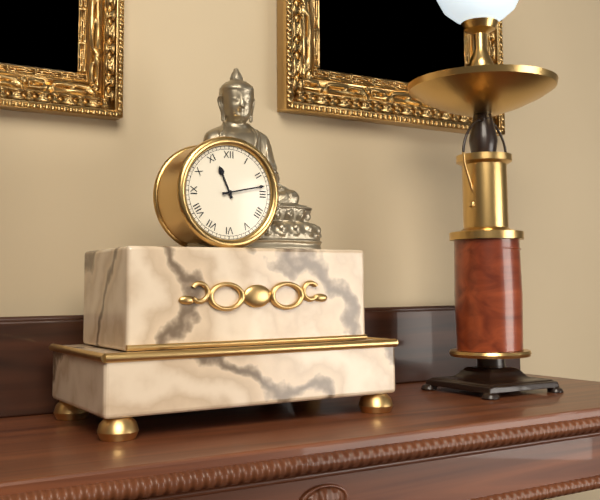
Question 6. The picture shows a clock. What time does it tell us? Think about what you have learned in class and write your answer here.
11:13
